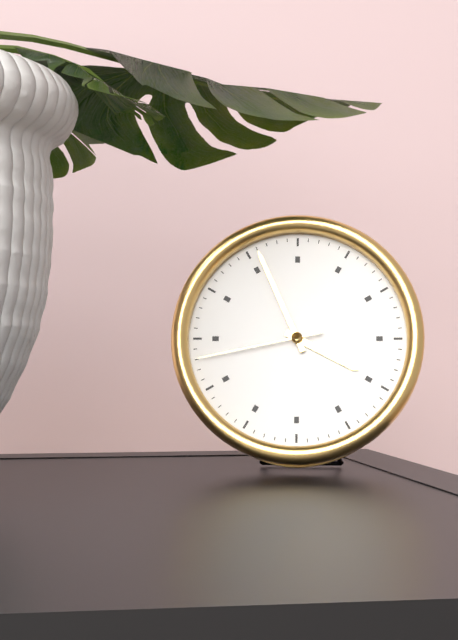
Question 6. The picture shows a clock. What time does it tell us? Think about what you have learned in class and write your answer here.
3:56:43
